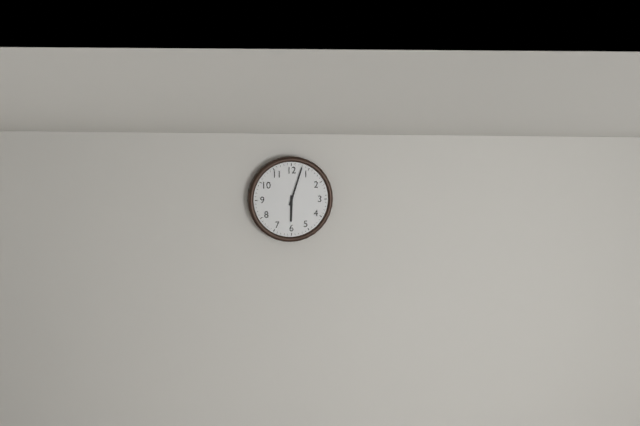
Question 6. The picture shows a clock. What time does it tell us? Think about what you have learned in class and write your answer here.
6:03
